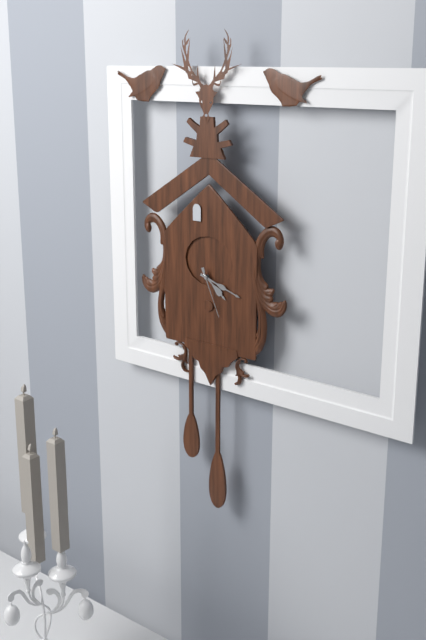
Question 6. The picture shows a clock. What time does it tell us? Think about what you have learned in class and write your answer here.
4:18:26
